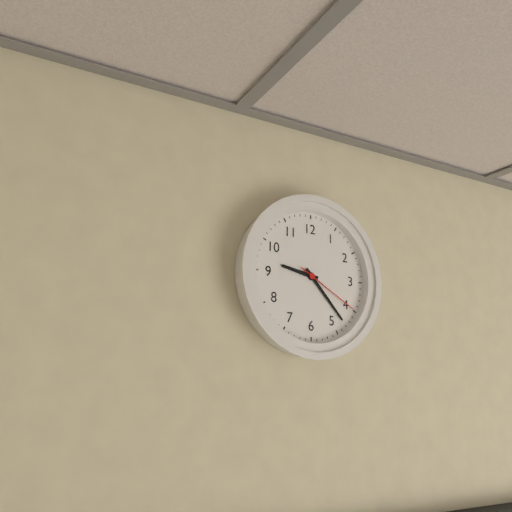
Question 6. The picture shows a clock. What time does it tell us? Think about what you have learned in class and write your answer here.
9:23:20
